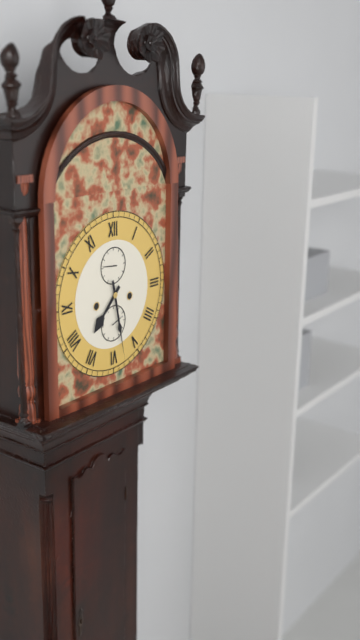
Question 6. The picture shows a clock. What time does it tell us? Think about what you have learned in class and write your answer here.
7:28
